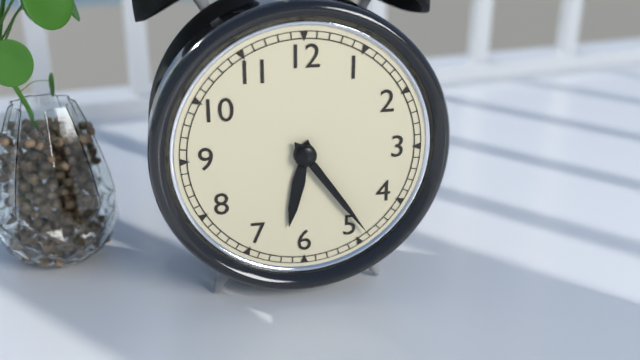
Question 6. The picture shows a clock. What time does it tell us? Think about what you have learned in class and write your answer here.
6:24
